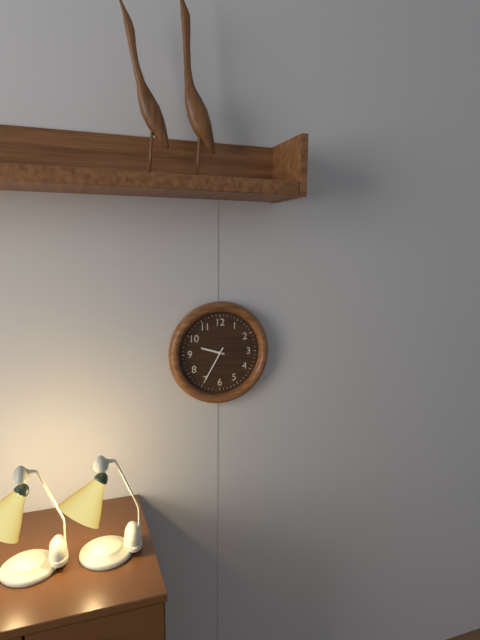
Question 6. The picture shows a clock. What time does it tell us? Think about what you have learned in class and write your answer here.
9:35
